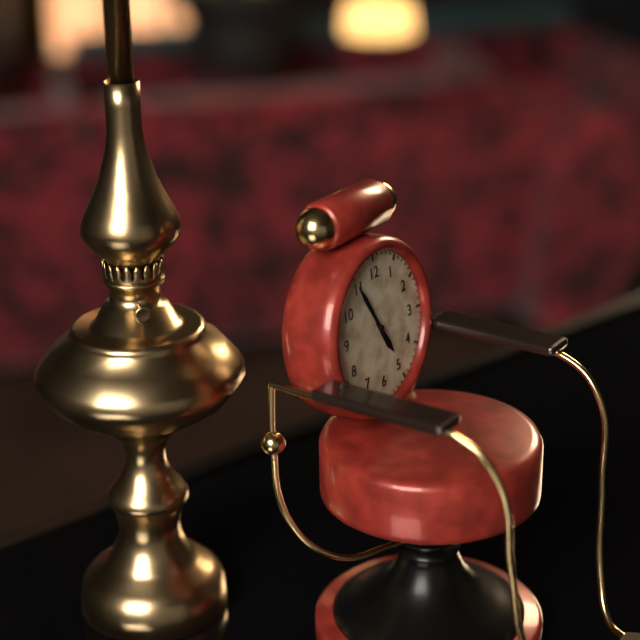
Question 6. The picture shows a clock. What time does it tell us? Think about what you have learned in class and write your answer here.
4:55
